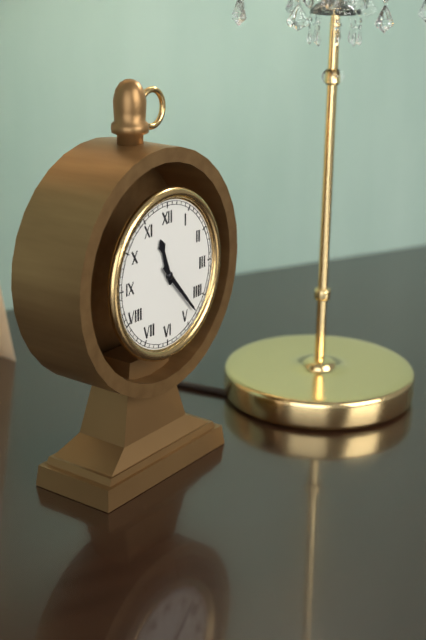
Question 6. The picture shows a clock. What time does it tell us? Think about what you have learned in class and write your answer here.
11:23
